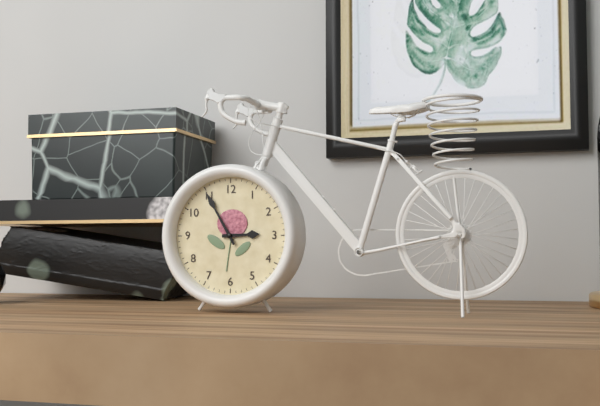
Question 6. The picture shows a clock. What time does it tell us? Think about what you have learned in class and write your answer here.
2:55
